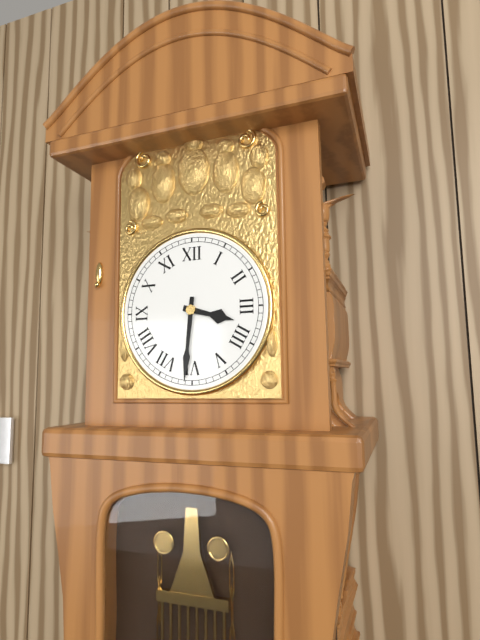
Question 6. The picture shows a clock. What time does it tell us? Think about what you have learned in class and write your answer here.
3:31
